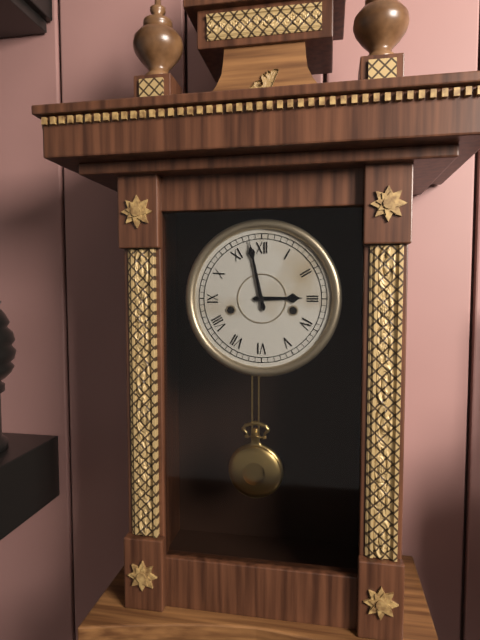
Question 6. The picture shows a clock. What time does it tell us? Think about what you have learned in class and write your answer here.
2:58
